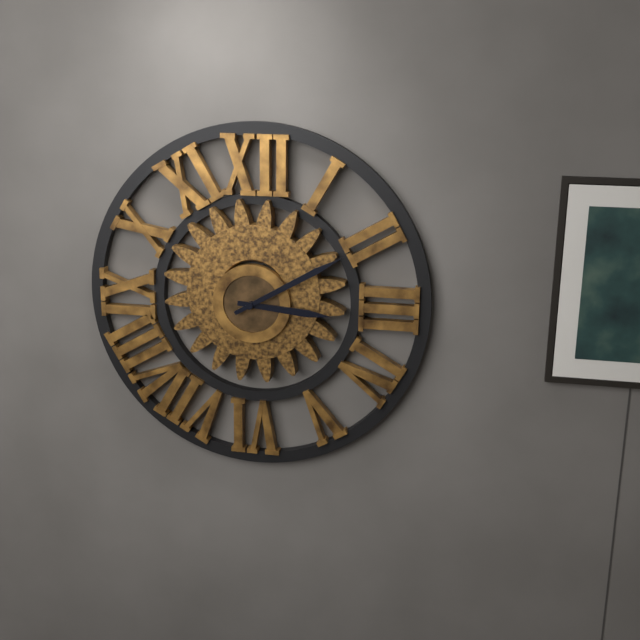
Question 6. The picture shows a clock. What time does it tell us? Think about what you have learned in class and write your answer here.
3:10
